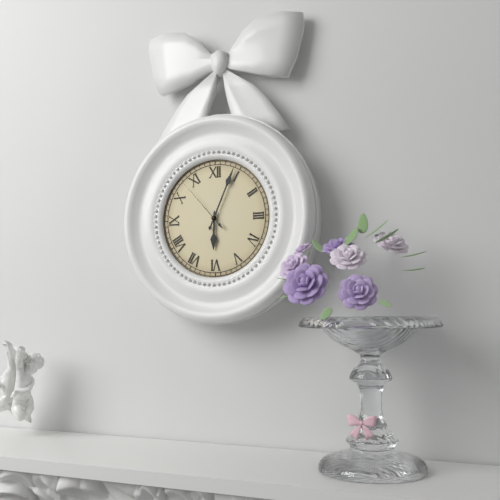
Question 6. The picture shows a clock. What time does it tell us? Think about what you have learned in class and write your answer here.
6:04:53
